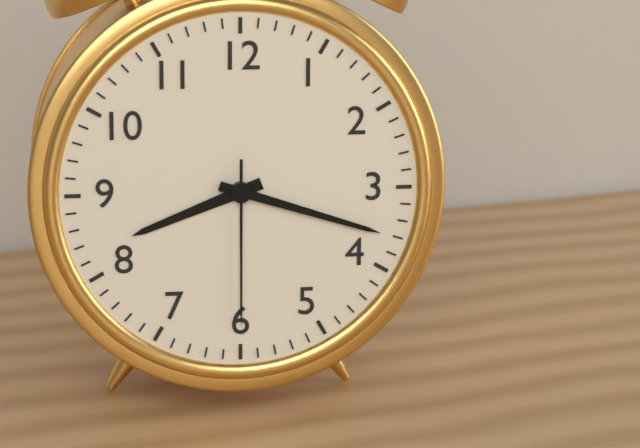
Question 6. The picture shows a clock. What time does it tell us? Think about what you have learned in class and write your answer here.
8:18:30
